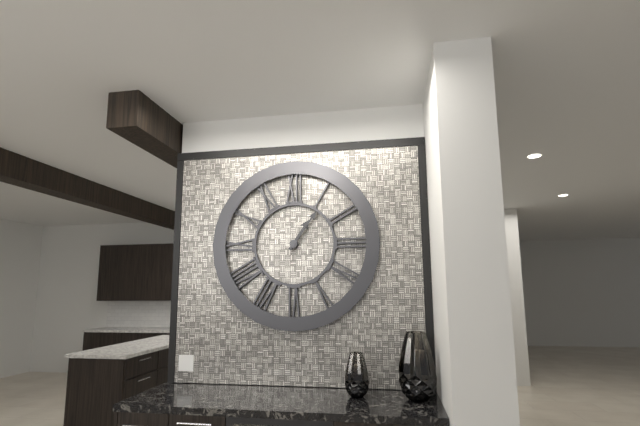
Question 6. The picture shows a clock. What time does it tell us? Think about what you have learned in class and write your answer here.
1:06
